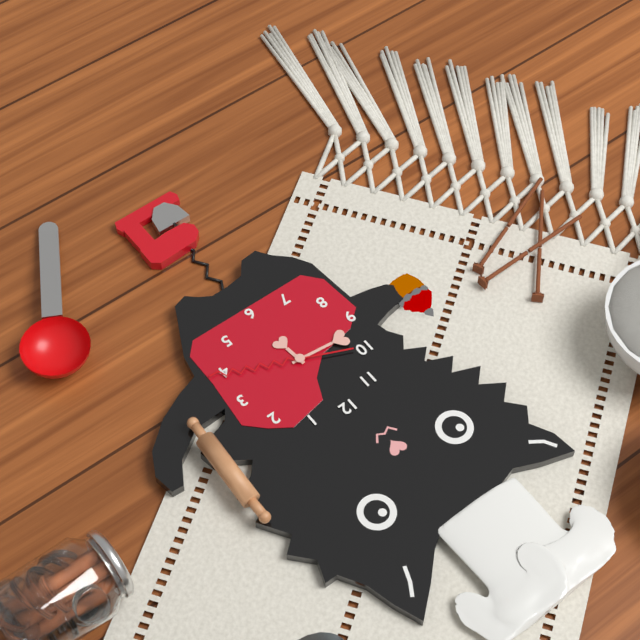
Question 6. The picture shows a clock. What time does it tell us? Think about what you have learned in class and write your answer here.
5:46:19
